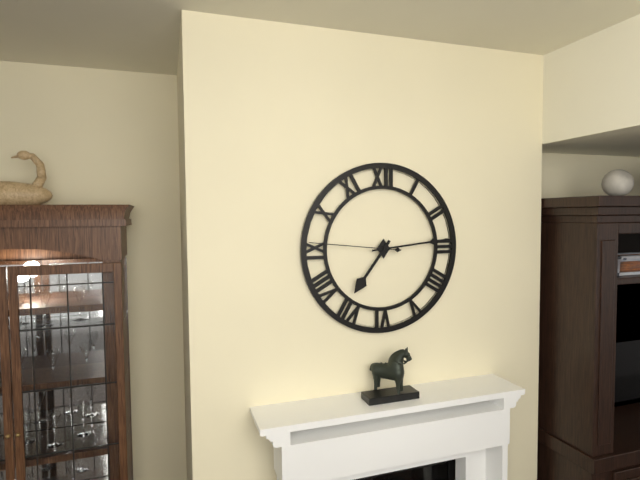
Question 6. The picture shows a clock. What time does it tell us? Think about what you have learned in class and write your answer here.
7:14:46
